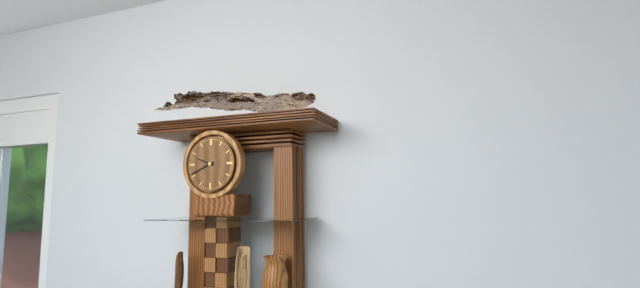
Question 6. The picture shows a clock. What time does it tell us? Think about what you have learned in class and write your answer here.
9:41
